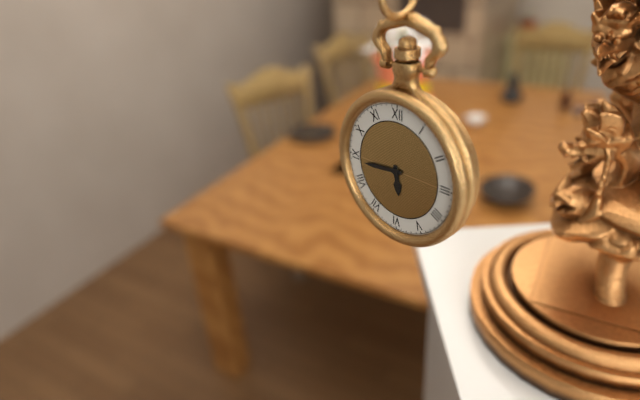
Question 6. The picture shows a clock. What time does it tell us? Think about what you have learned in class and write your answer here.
5:44
